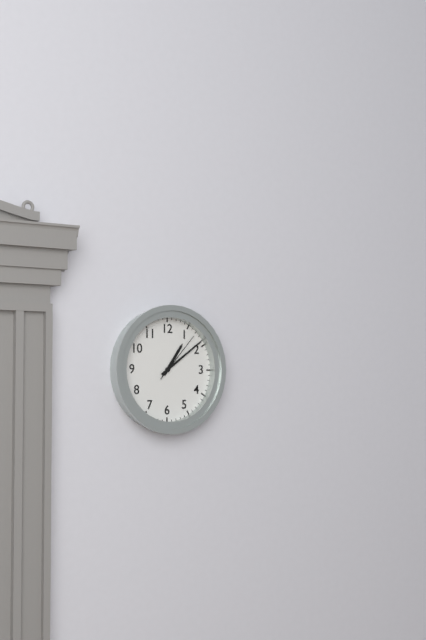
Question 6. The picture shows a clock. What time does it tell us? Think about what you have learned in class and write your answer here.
1:09:07
